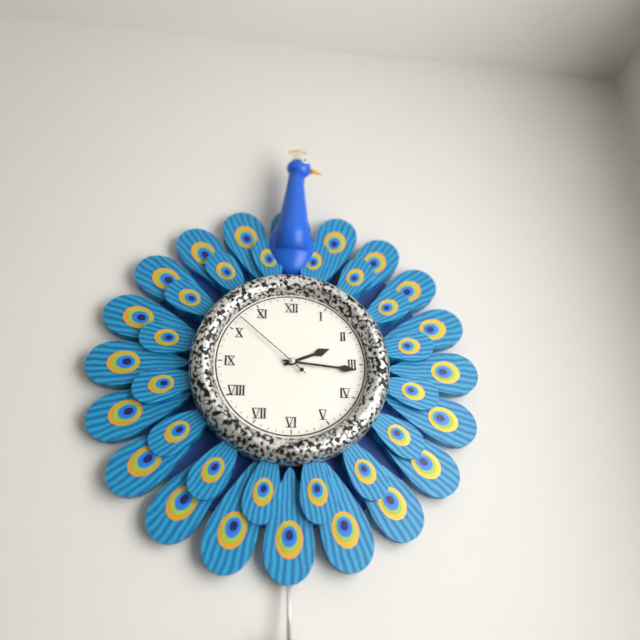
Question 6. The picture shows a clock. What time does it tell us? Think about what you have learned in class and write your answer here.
2:16:52
